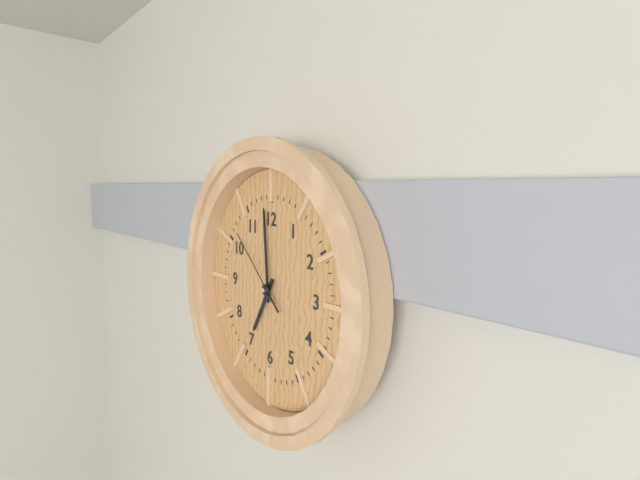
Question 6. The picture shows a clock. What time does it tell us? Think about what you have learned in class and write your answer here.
6:59:52
